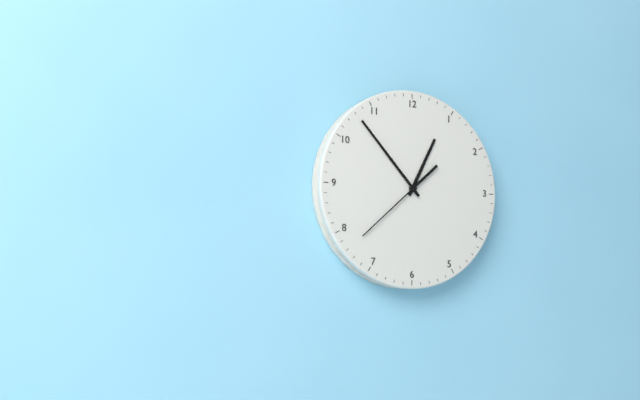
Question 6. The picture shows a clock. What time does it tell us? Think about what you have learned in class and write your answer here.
12:53:38
